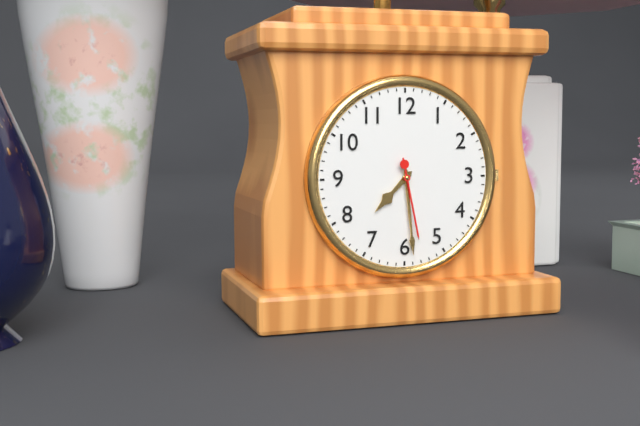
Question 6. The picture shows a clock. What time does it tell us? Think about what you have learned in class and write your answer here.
7:29:28
